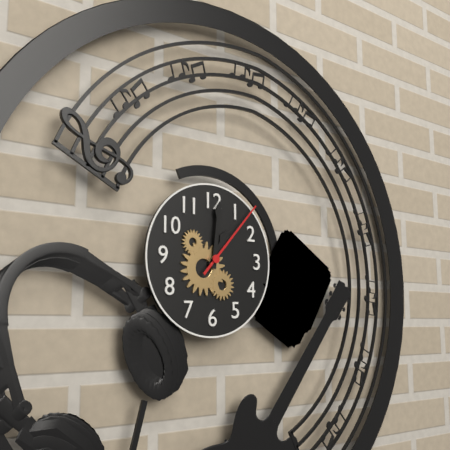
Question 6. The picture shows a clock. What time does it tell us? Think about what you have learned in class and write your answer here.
1:01:07
